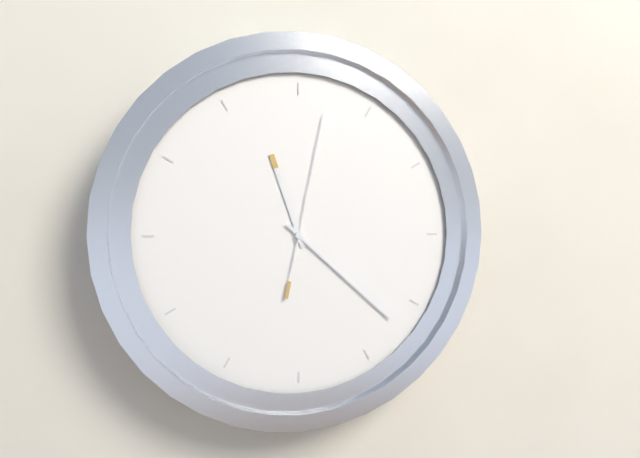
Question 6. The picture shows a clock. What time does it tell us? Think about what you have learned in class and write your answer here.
11:22:02
